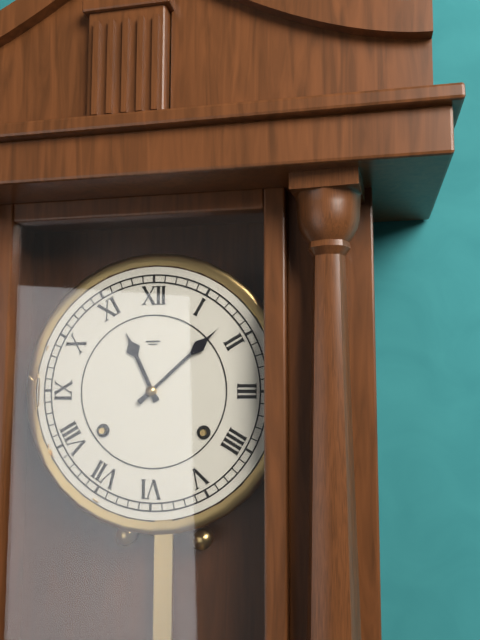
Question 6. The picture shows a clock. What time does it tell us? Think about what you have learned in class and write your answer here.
11:08
